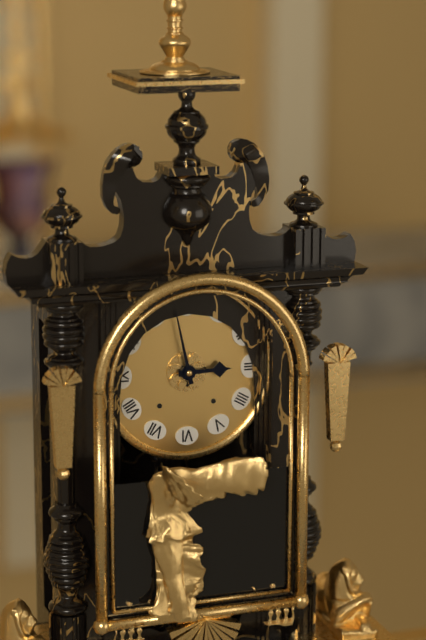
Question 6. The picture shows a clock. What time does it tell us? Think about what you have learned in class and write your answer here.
2:58
